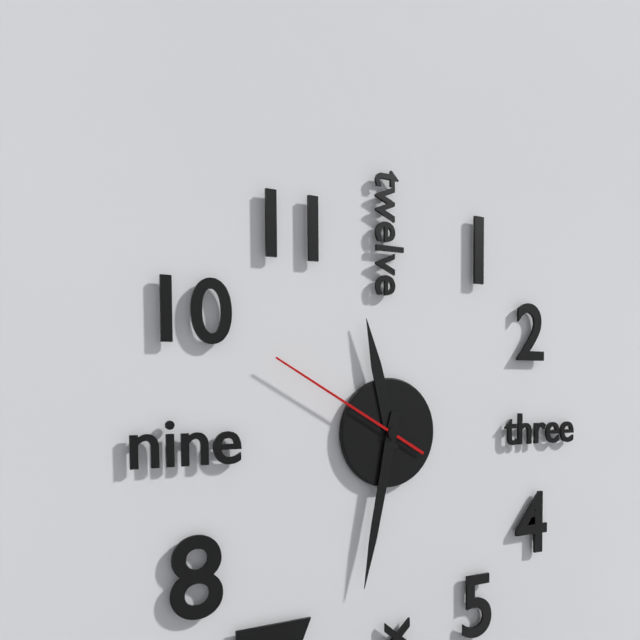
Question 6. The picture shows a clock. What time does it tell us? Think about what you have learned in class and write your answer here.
11:32:50
